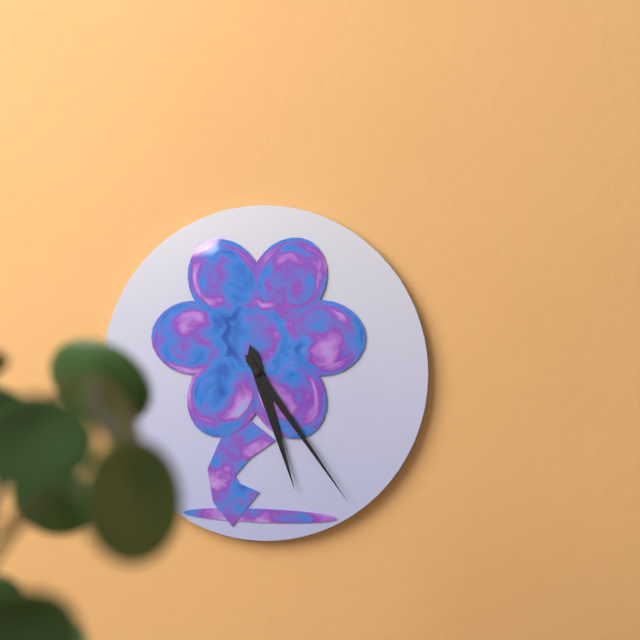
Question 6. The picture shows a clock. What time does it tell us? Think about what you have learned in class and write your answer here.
5:24
